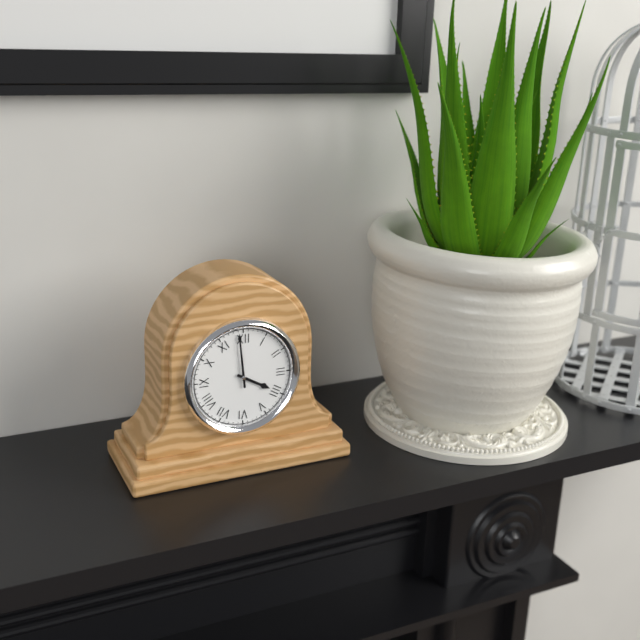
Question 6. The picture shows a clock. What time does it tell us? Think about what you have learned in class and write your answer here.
3:59
